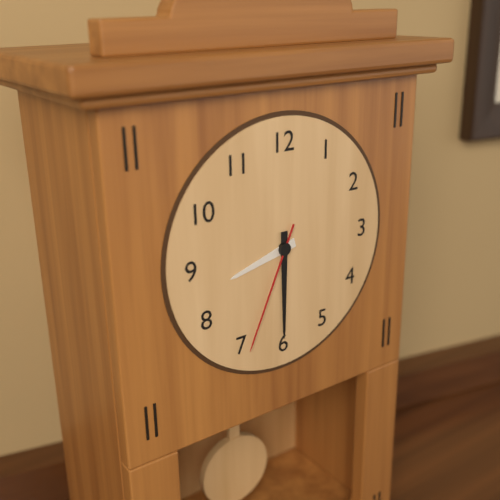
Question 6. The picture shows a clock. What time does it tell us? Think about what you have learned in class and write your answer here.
8:30:34
